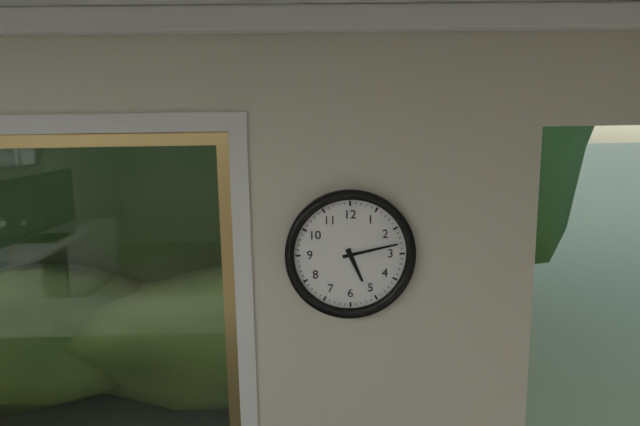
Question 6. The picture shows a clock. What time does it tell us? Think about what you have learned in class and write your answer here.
5:13
